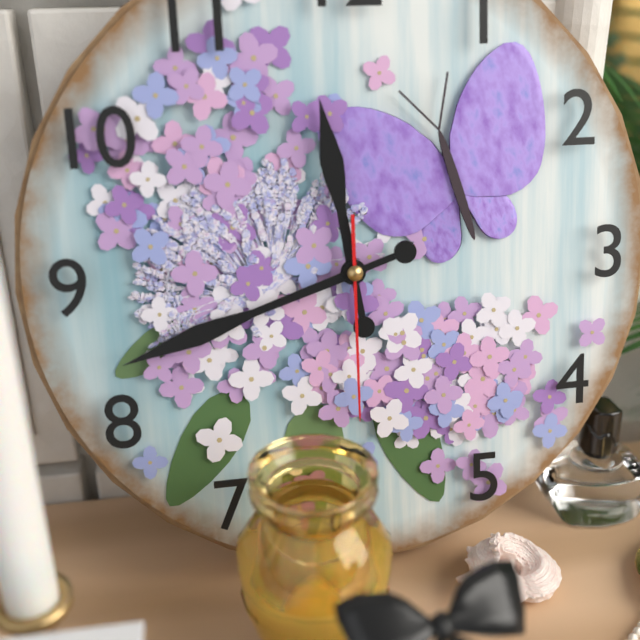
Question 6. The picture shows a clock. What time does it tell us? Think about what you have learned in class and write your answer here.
11:42:30
